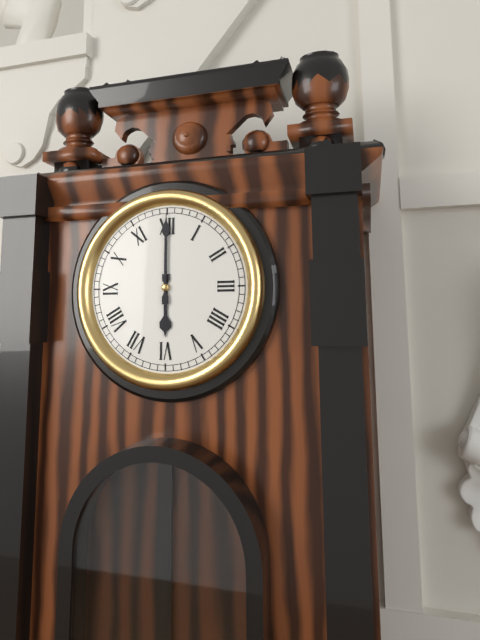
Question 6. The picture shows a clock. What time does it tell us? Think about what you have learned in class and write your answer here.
6:00
